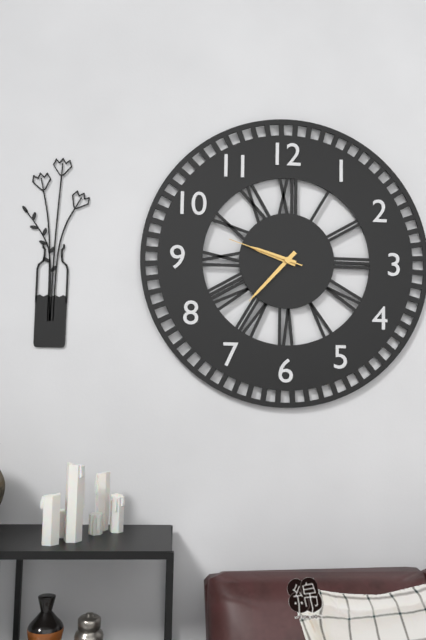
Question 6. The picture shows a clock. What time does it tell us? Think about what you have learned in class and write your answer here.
9:37:48
